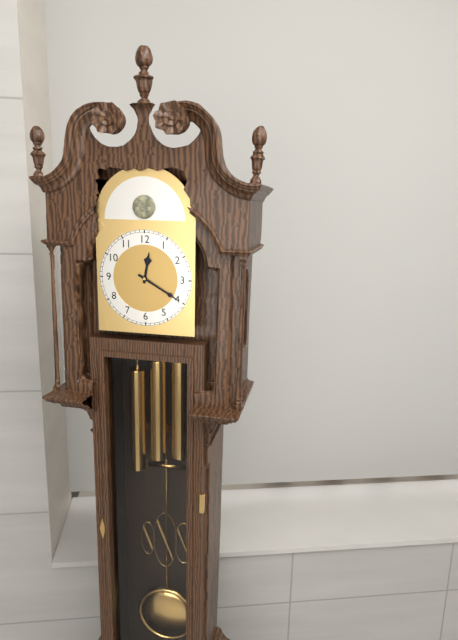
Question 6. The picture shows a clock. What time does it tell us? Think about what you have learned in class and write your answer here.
12:20
